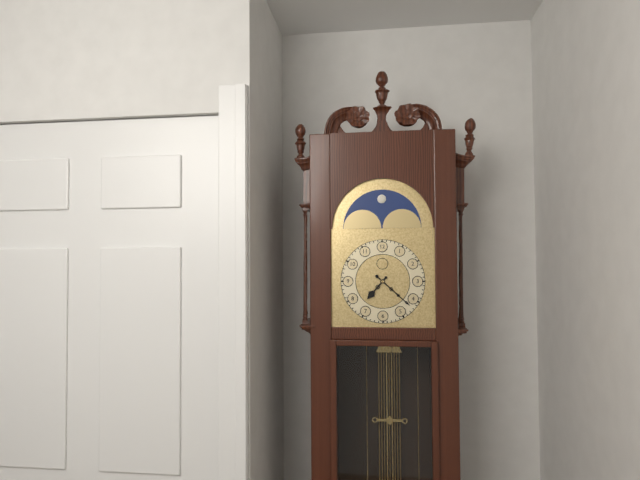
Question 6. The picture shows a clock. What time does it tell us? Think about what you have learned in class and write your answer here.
7:22
